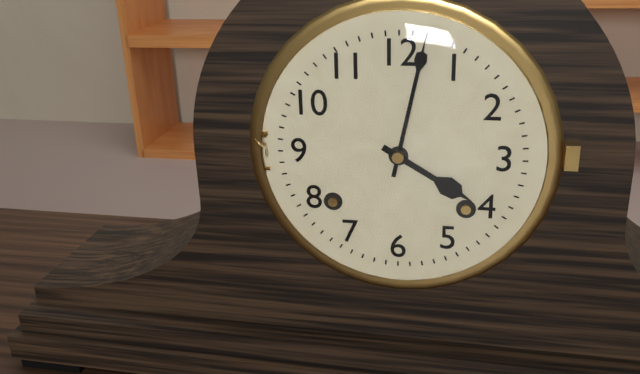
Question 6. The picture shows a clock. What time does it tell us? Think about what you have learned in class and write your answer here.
4:02
